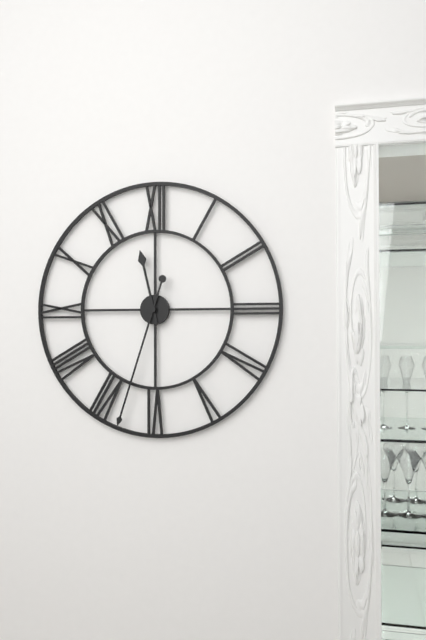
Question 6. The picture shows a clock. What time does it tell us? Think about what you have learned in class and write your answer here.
11:33
